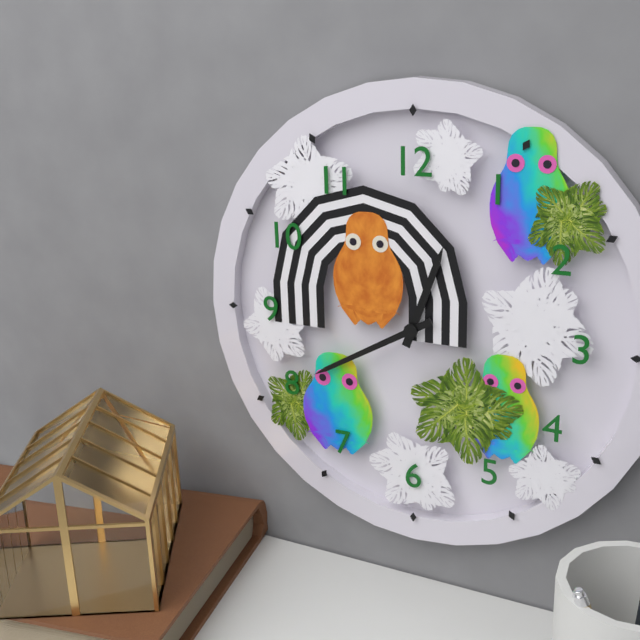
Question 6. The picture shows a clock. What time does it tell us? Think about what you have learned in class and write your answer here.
12:40
